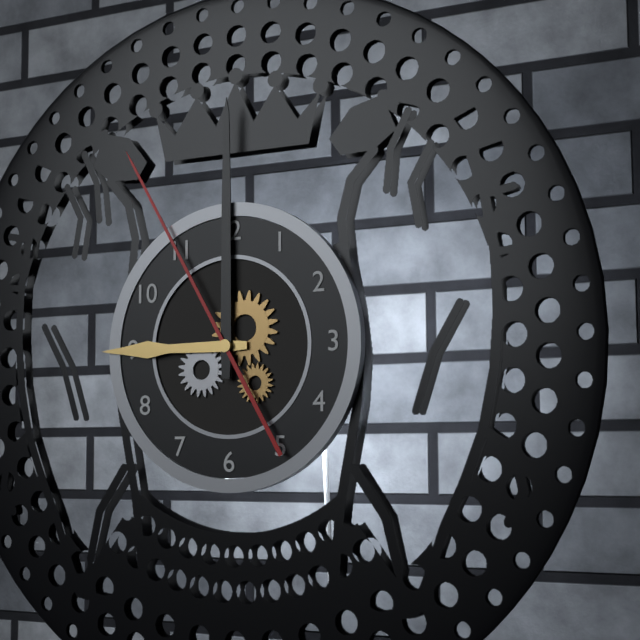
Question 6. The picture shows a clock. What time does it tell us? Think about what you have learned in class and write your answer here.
9:00:55
